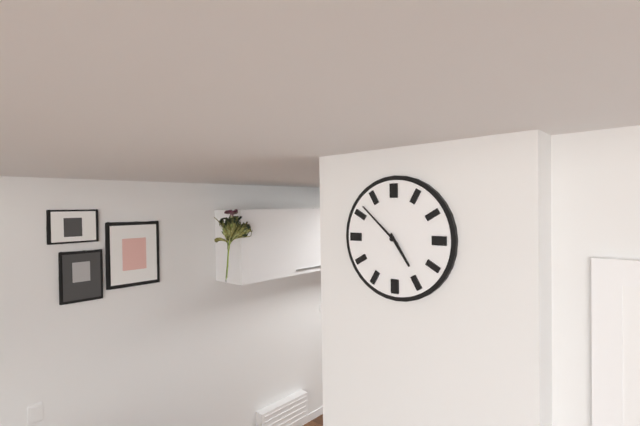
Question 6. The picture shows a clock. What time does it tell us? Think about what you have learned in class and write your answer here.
4:52
